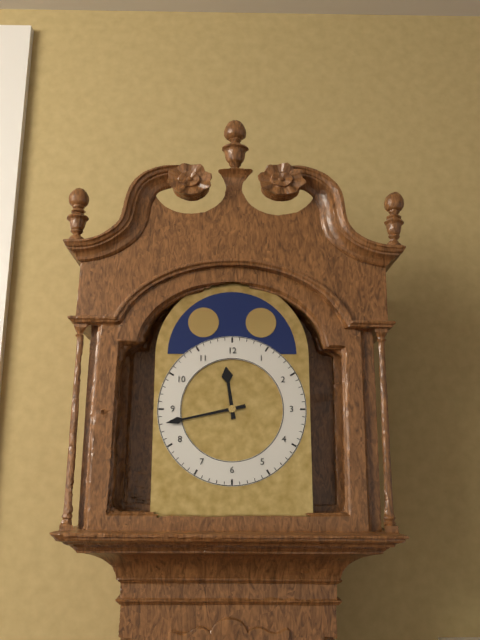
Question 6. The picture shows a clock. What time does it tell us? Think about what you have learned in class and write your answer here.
11:43
